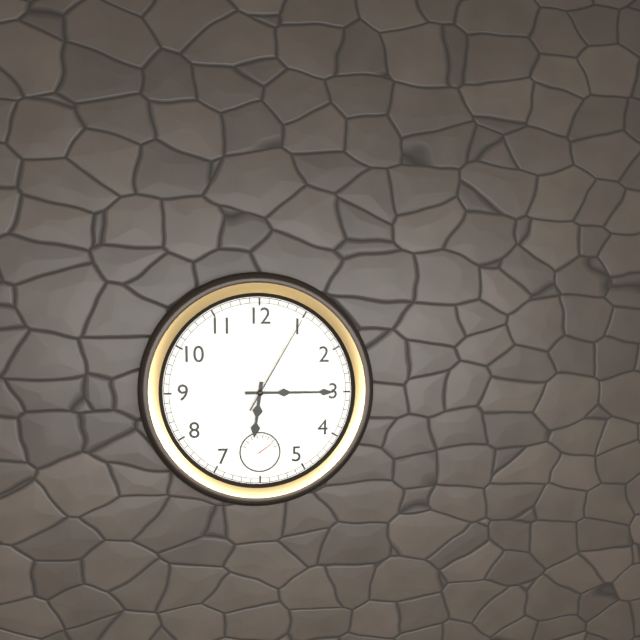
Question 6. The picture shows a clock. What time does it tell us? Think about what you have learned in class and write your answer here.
6:15:05
